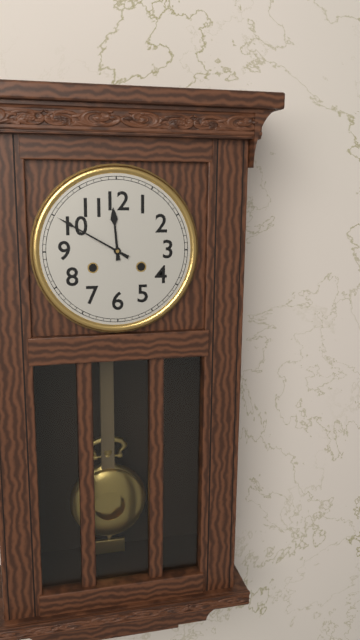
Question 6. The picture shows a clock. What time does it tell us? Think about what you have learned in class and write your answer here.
11:50
